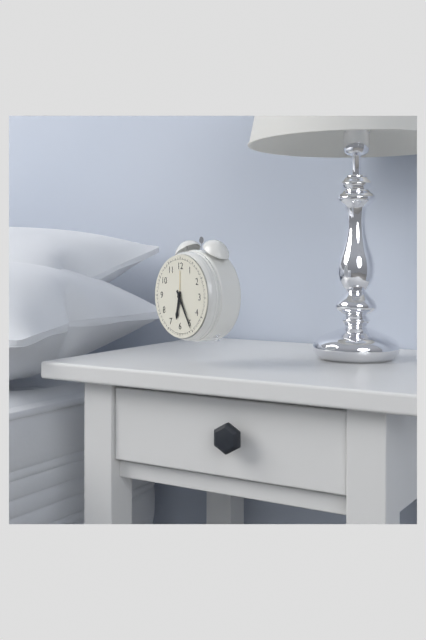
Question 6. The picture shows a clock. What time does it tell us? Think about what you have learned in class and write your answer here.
6:25
